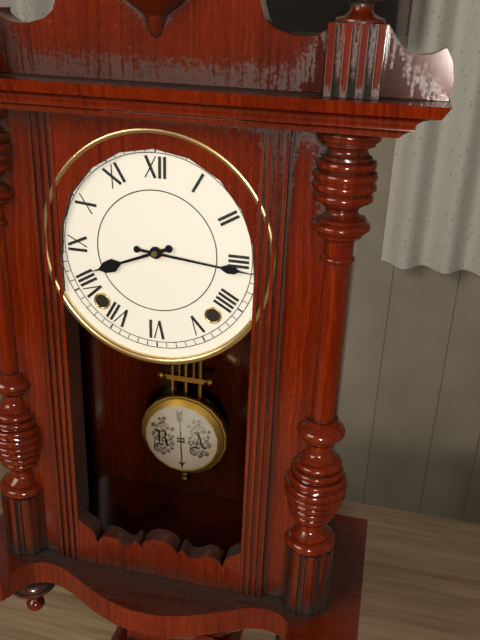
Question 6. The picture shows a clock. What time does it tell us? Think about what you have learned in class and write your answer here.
8:16
